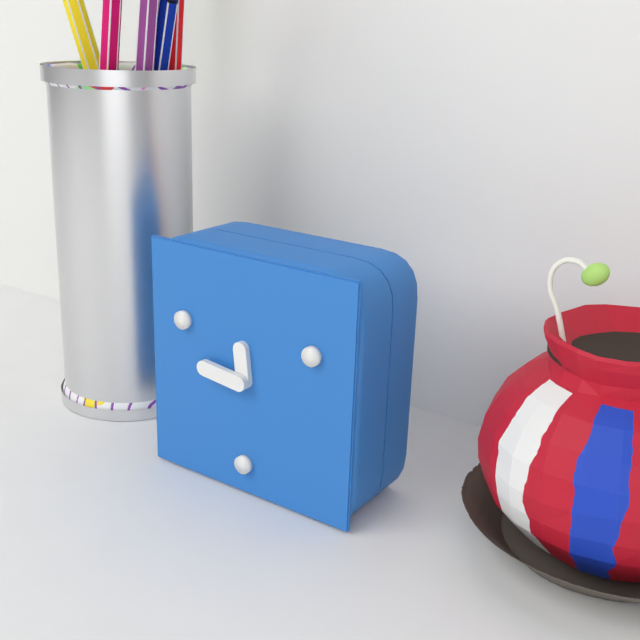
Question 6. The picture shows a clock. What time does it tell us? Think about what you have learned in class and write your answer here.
11:46
